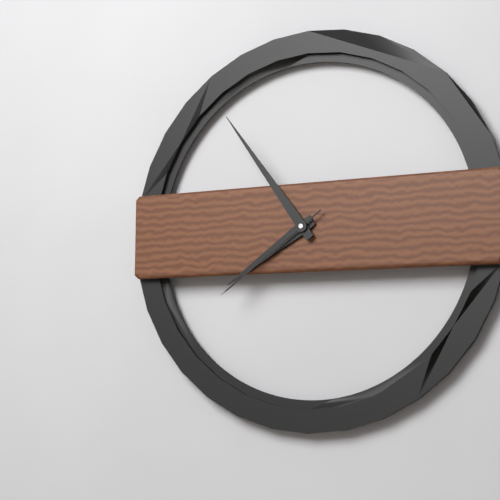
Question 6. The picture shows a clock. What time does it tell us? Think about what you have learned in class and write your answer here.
7:54:39
